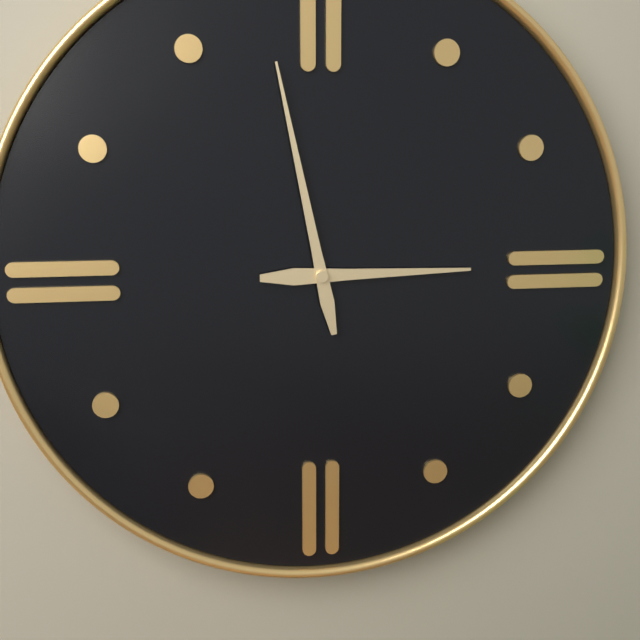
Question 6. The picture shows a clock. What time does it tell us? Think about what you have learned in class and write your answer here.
2:58
